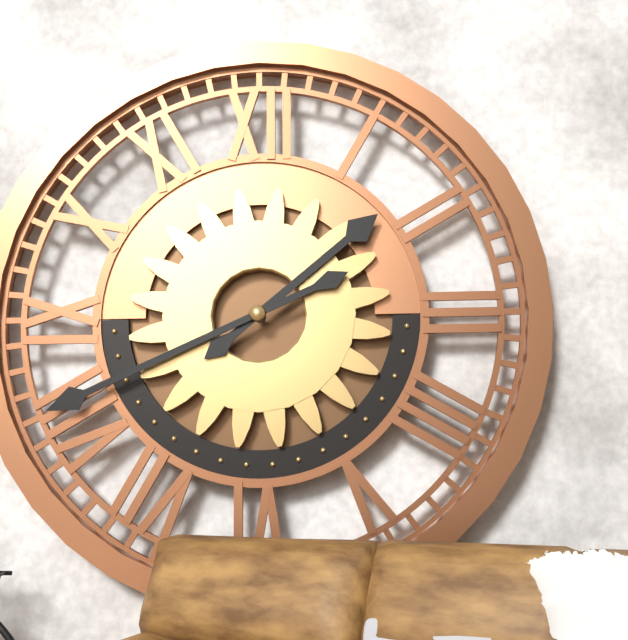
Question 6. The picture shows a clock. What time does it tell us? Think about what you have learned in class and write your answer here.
1:41
